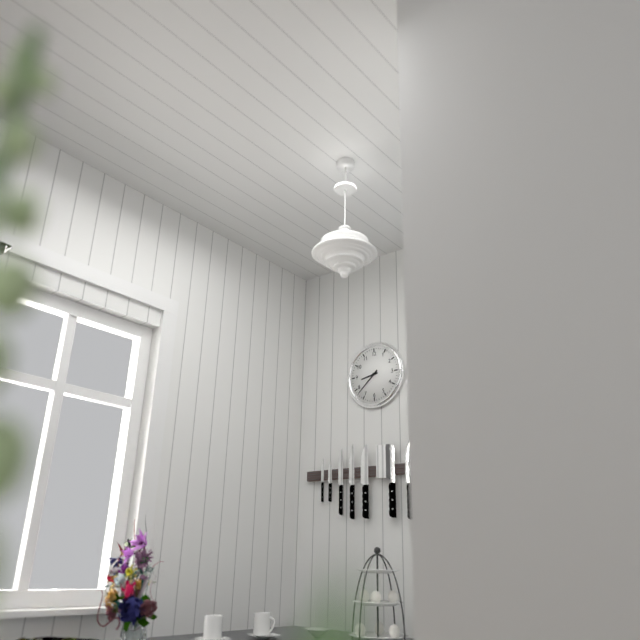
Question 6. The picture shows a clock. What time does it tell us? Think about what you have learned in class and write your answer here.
8:38
